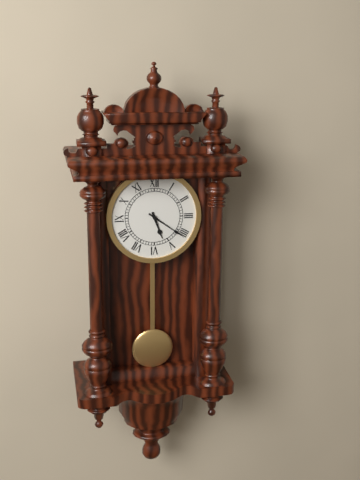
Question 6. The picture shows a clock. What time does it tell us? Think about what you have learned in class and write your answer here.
5:21
